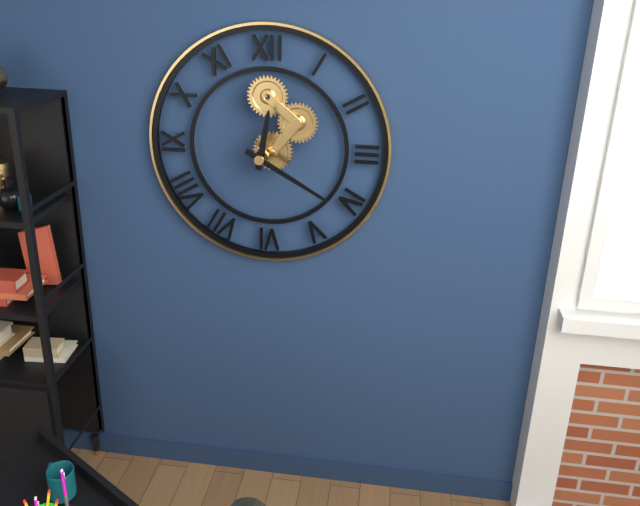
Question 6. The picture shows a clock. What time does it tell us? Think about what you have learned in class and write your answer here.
12:20
